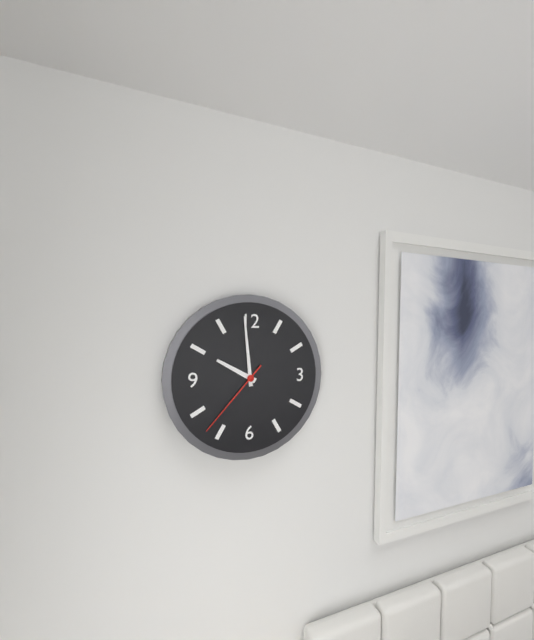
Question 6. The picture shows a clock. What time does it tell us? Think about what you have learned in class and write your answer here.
9:59:37
